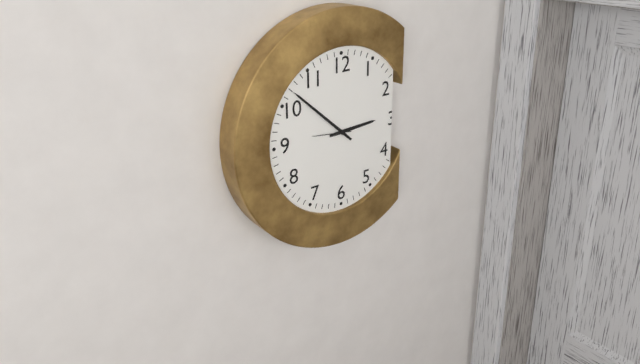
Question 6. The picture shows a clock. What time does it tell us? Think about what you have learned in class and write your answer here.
2:52
